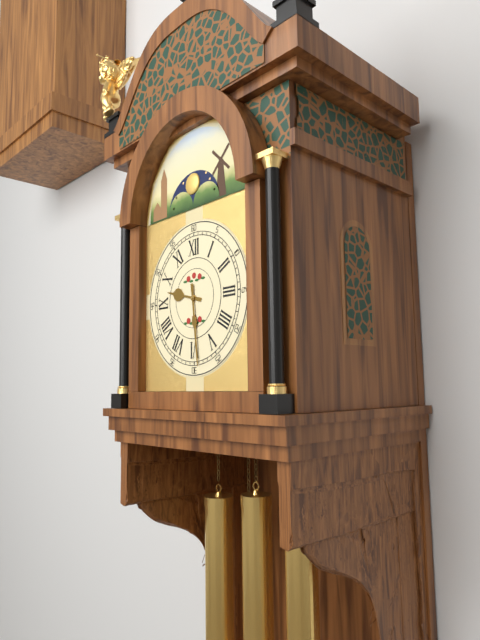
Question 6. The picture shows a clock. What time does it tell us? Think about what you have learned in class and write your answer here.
9:29
